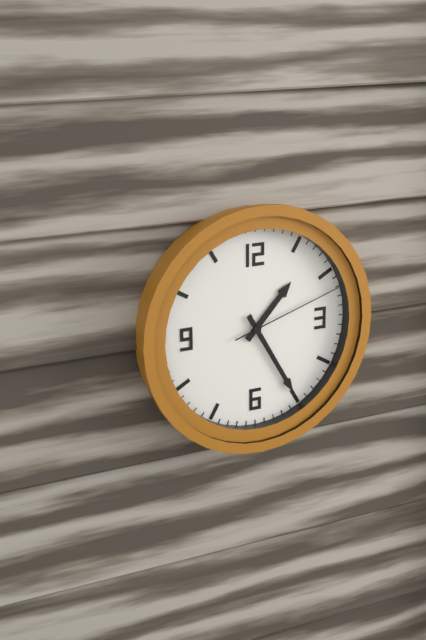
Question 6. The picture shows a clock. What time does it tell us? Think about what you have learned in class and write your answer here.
1:25:12
